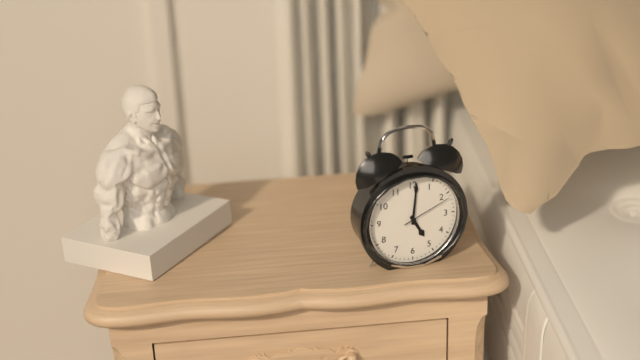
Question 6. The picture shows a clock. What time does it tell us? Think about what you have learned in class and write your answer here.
5:01:11
